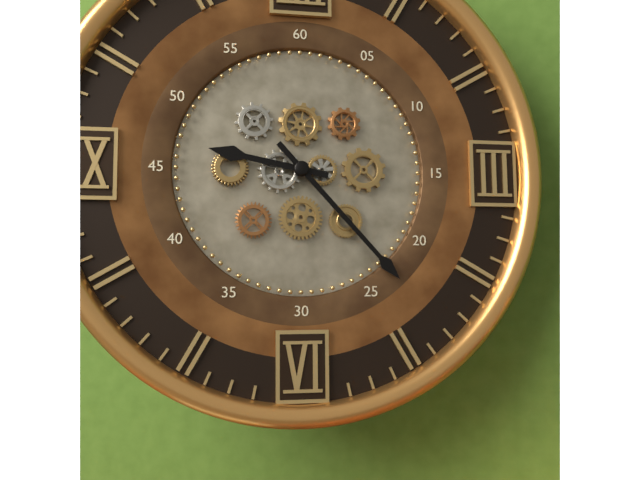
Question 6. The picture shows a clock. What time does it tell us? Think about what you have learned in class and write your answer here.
9:23
